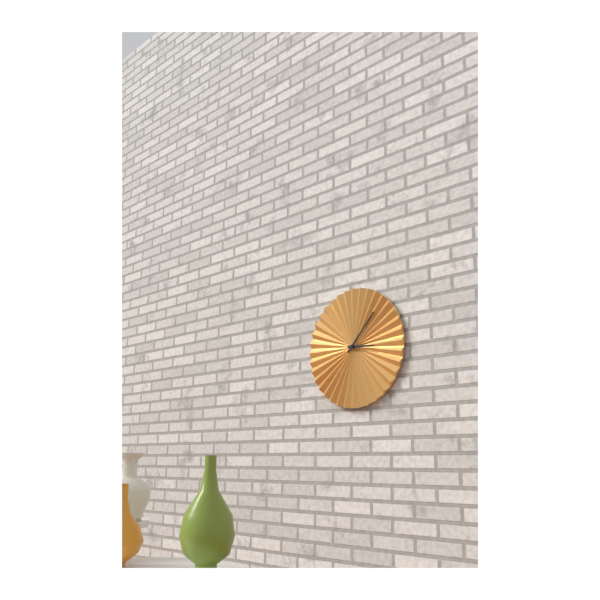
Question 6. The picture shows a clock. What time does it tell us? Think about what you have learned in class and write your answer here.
3:07
